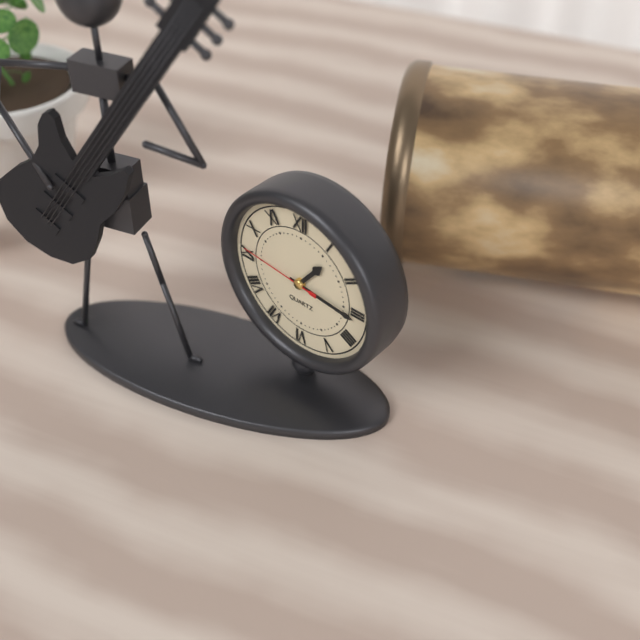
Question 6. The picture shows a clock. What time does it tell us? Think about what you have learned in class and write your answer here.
1:16:46
